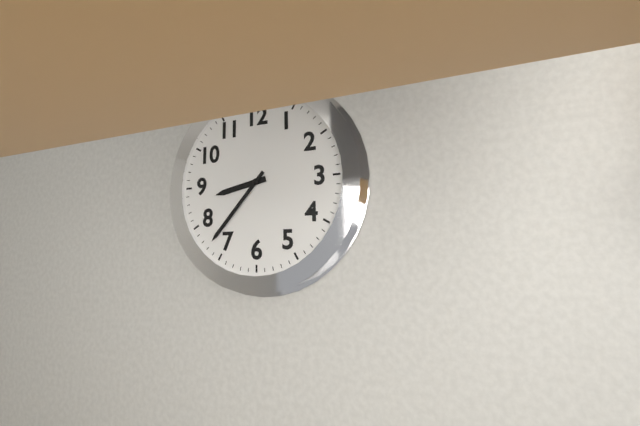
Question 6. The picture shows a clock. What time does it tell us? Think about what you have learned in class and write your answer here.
8:37
